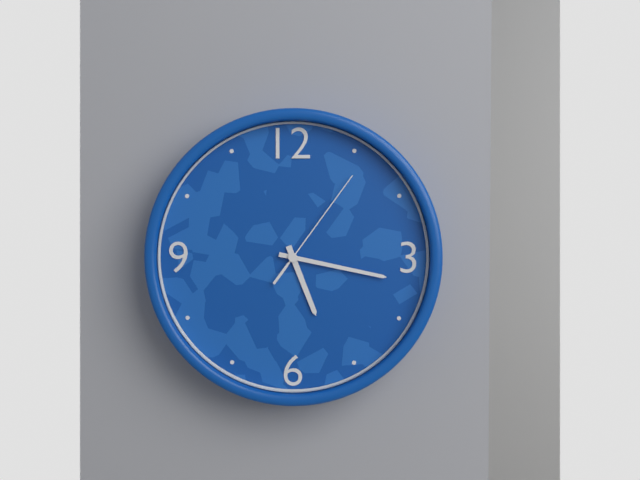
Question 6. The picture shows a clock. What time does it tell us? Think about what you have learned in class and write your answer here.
5:17:06
